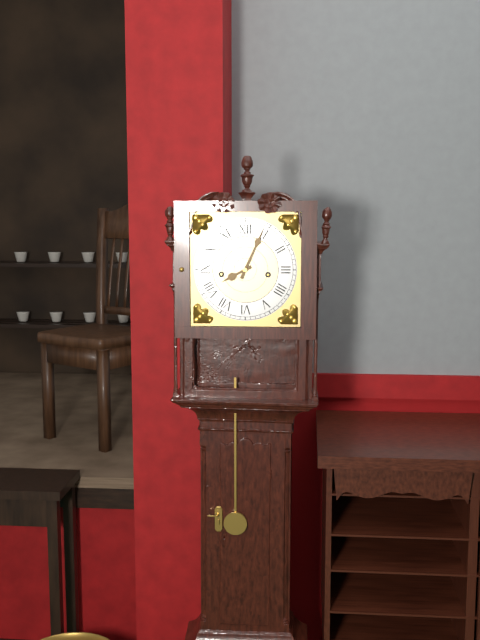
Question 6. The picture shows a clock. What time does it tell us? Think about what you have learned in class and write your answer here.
8:04
